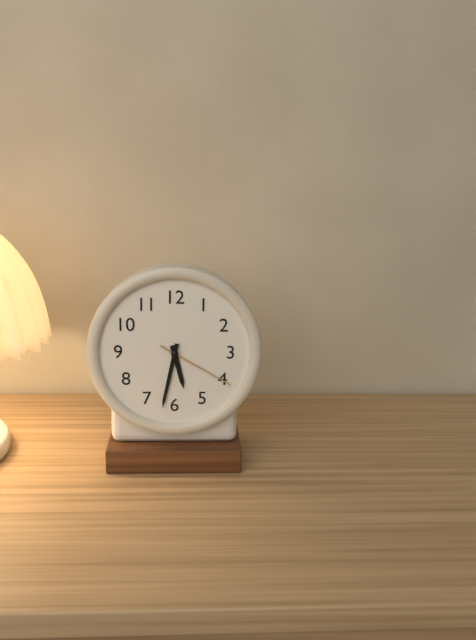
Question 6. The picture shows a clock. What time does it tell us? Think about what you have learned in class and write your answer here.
5:32:20
